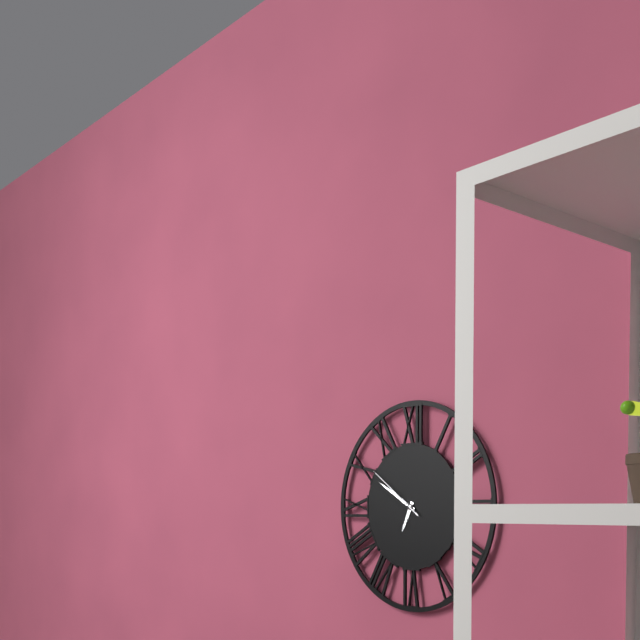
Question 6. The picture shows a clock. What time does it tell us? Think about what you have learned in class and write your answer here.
6:50:51
